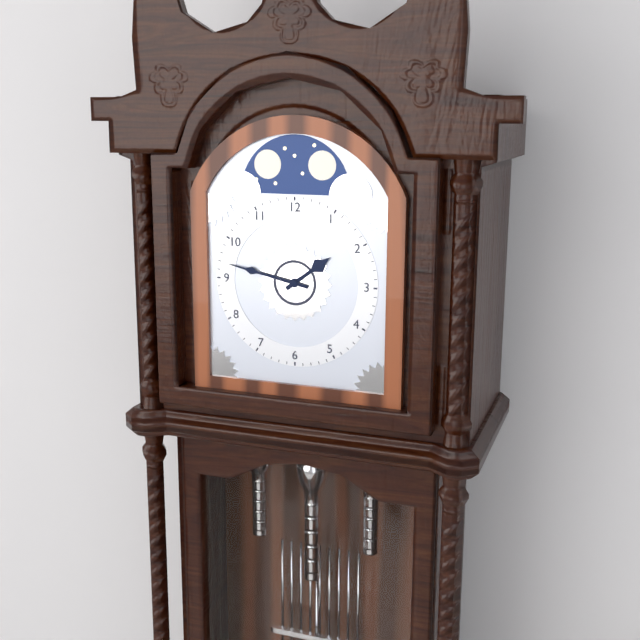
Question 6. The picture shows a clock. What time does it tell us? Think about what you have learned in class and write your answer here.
1:47
